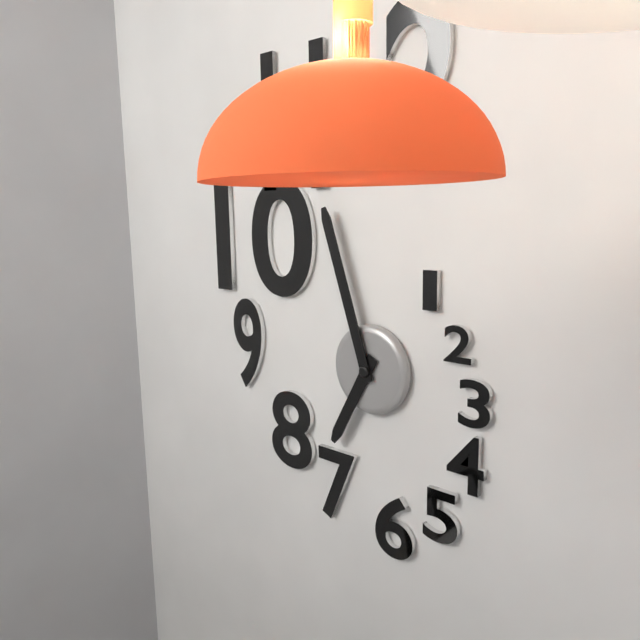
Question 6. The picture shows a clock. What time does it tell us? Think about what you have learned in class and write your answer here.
6:57
